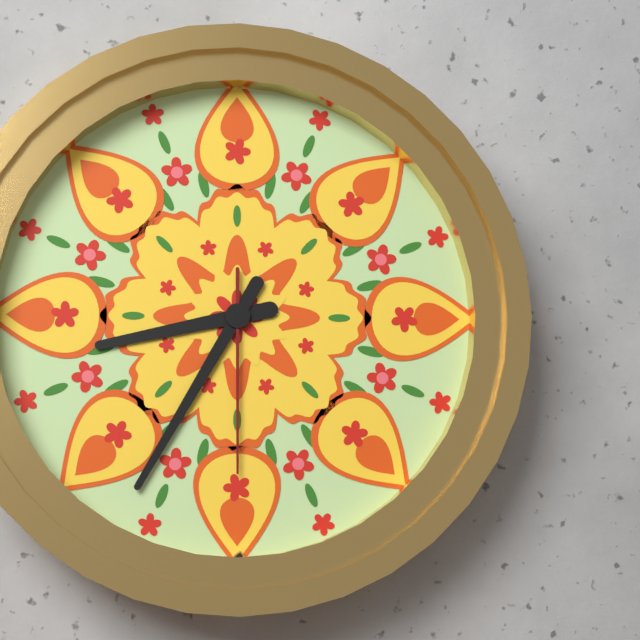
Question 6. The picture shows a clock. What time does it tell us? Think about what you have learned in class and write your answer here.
8:35:30
